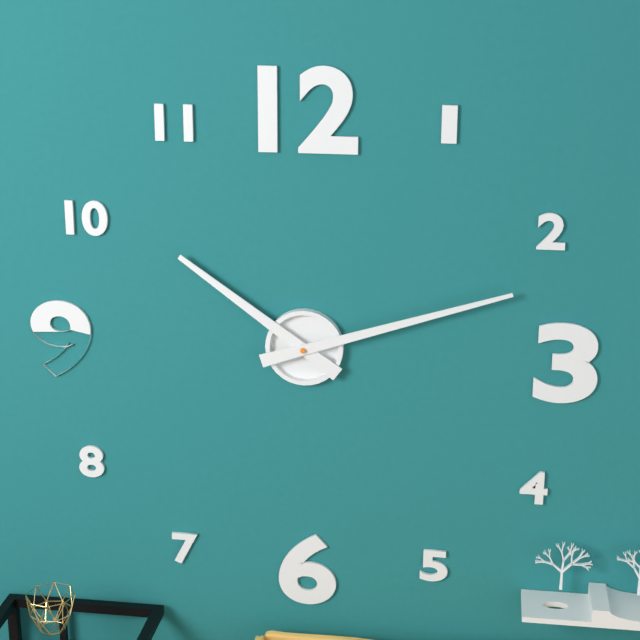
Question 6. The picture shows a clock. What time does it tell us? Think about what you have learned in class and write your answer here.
10:12
